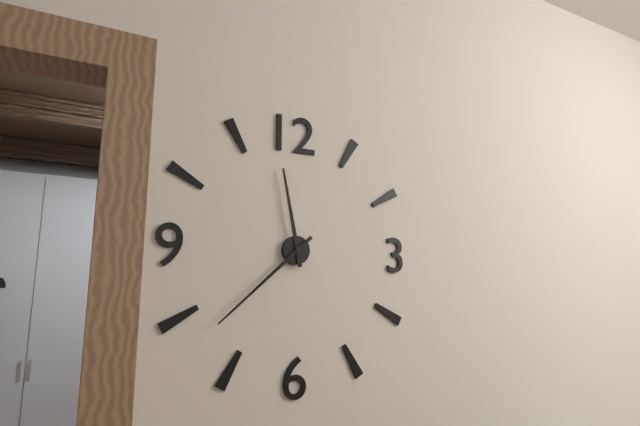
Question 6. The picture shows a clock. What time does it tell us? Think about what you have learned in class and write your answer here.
11:38
